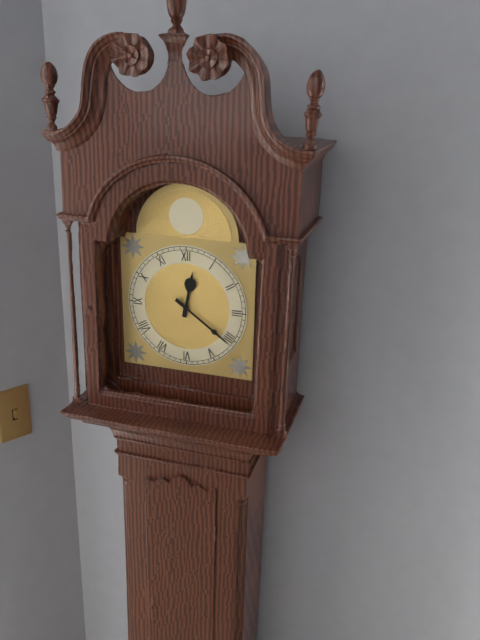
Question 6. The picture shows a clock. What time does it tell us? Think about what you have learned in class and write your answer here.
12:21
